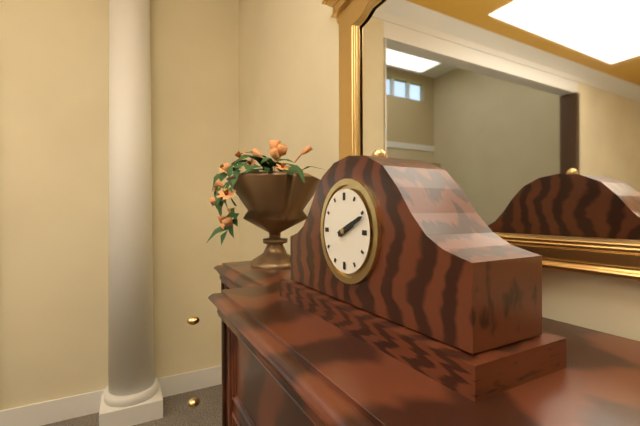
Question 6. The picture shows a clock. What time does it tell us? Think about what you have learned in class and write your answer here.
2:11
